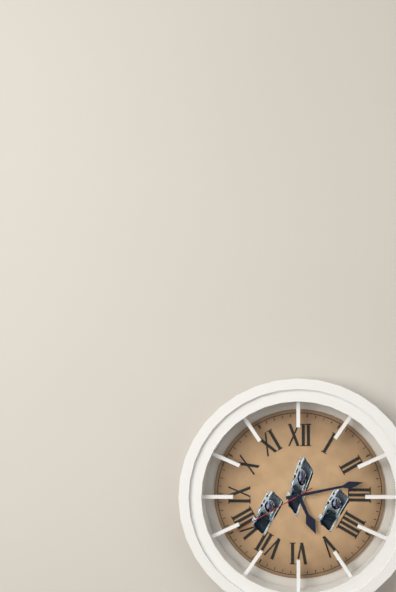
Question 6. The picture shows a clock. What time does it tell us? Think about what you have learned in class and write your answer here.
5:13:40
